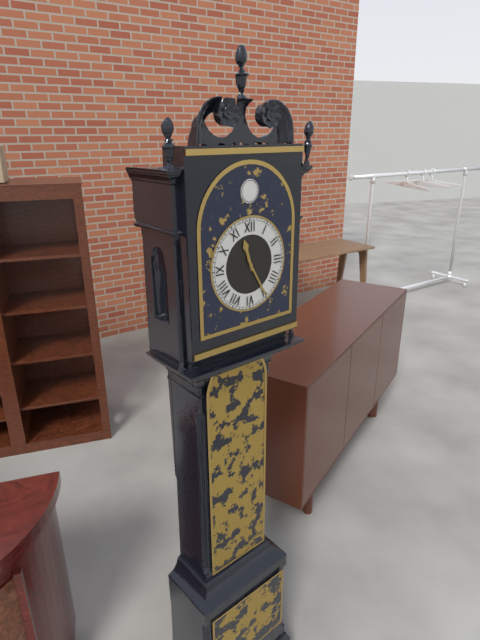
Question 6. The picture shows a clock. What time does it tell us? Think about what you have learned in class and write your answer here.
11:25
